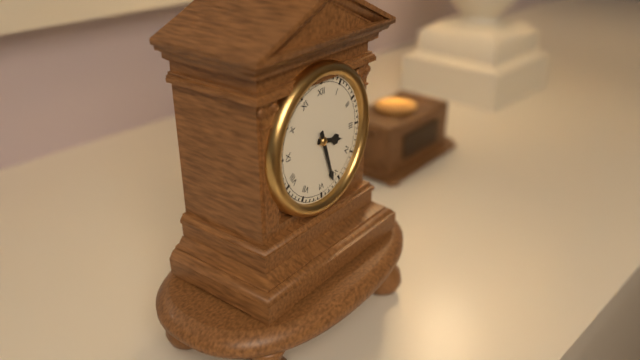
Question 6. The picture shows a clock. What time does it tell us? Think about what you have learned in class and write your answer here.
3:27
